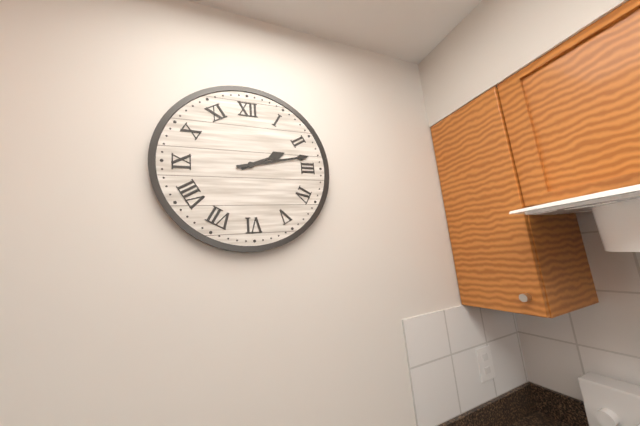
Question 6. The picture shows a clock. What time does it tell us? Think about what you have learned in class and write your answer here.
2:13
